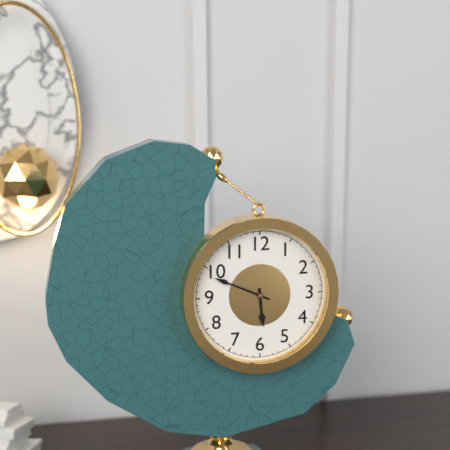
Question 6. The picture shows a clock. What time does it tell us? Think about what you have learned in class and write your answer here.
5:49
